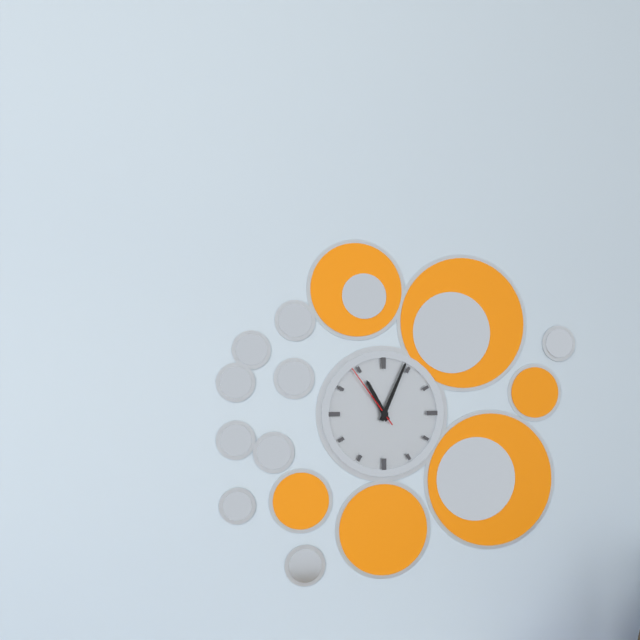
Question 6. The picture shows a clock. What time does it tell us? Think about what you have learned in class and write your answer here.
11:04:54
